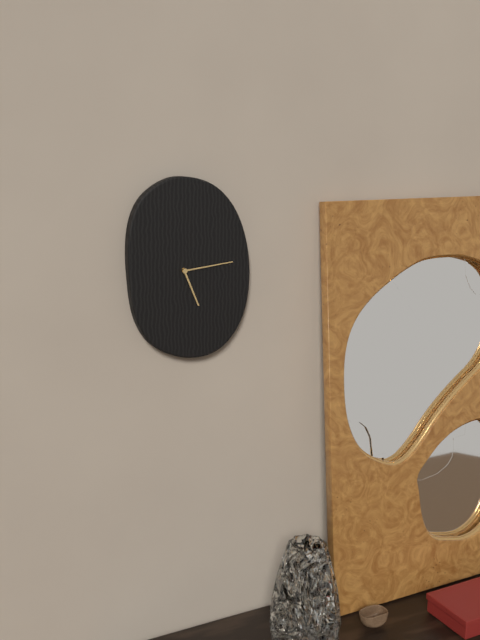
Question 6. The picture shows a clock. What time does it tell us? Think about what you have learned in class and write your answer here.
5:14
